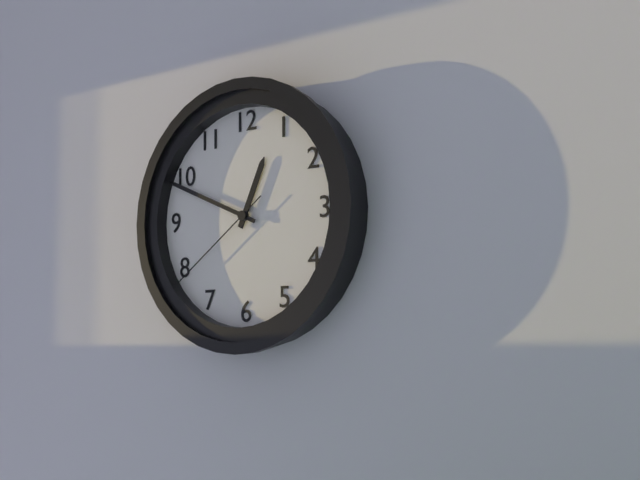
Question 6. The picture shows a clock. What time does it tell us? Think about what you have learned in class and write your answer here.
12:49:39
